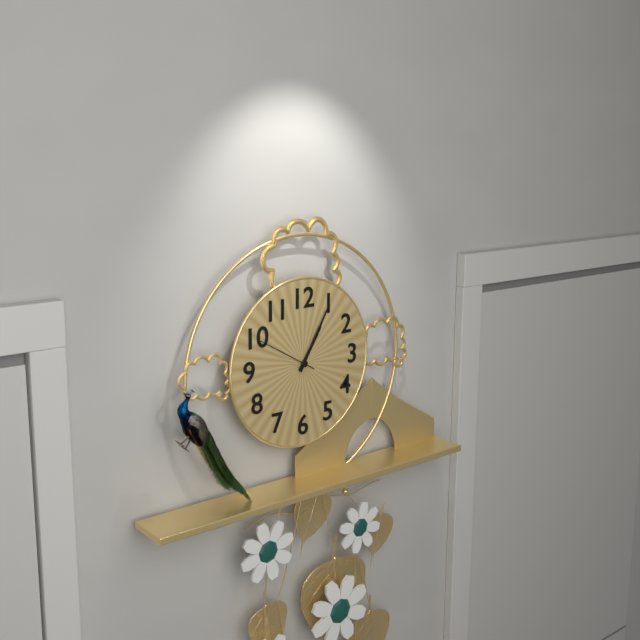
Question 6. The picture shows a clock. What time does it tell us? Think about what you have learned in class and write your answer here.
1:05:50
